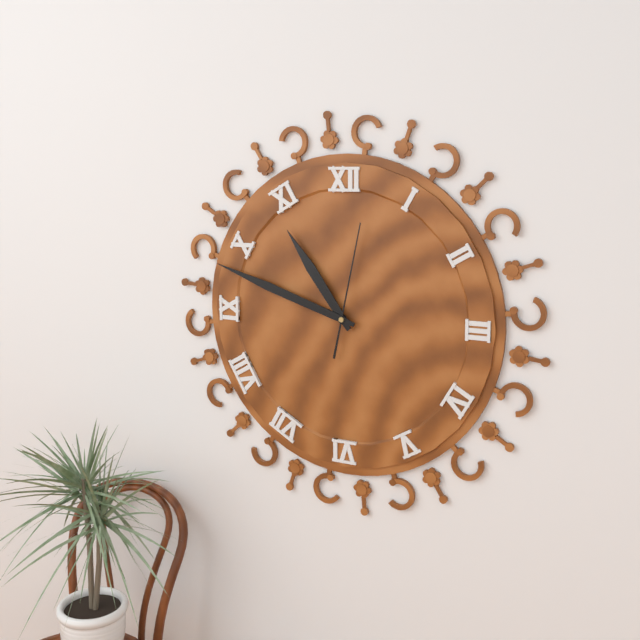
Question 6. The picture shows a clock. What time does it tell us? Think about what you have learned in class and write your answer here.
10:48:02
